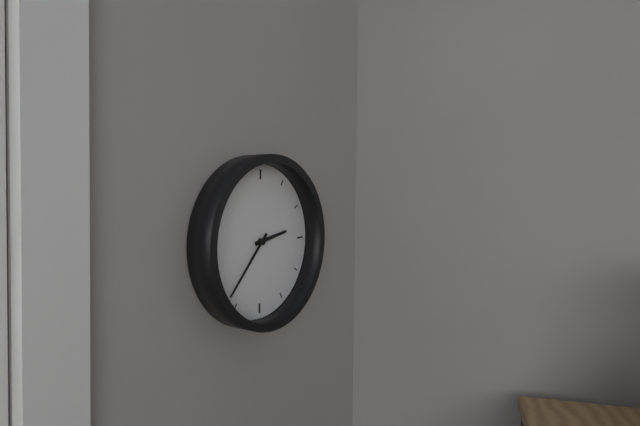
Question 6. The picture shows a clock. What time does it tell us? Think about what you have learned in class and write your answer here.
2:37
